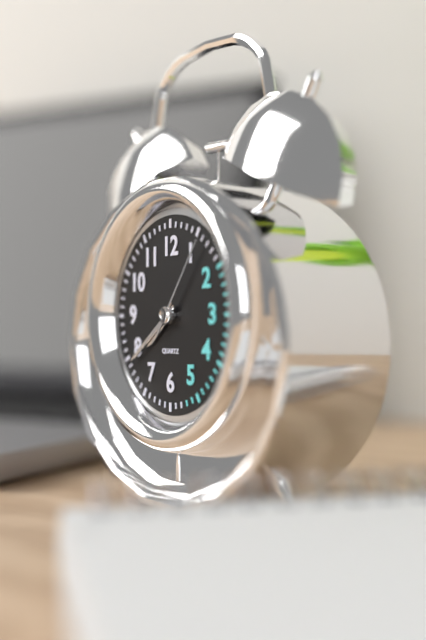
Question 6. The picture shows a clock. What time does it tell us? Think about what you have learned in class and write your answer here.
7:39:06
